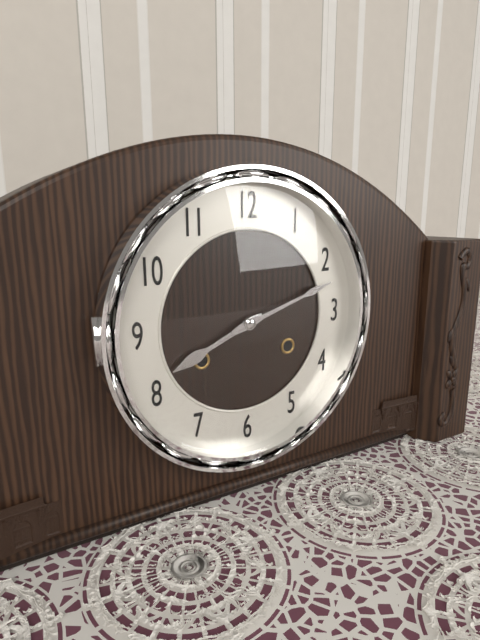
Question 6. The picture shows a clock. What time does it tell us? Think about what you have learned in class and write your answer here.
8:12
